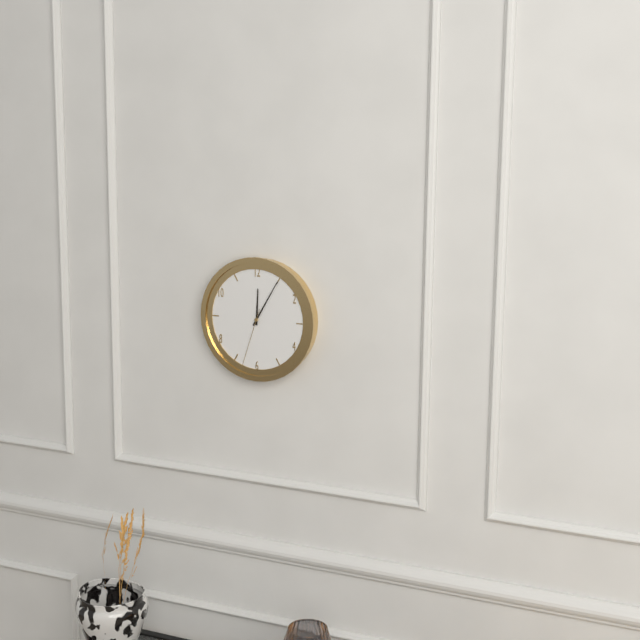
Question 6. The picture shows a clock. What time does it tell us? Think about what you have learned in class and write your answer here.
12:05:33
